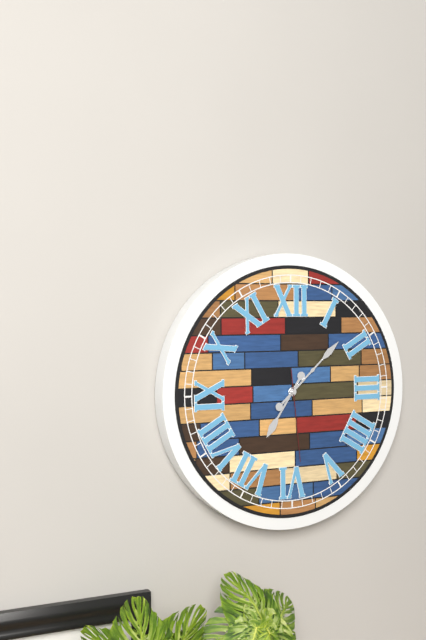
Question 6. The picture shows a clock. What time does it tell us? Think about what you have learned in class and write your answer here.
7:08:29
